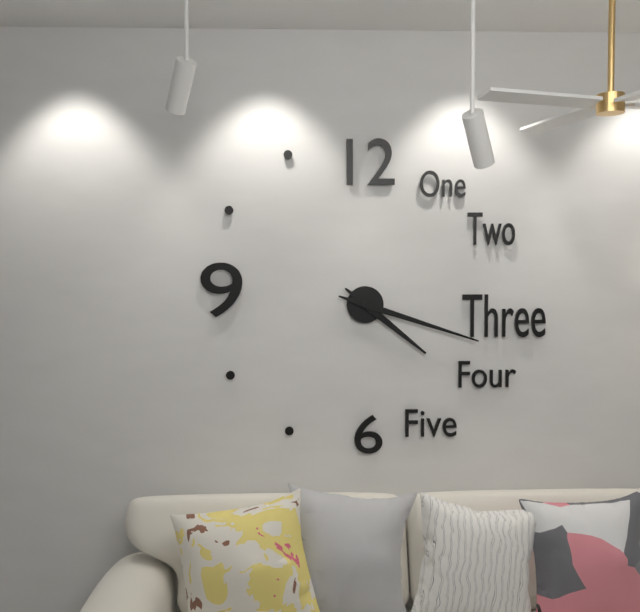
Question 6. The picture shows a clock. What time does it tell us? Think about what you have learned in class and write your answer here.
4:18
